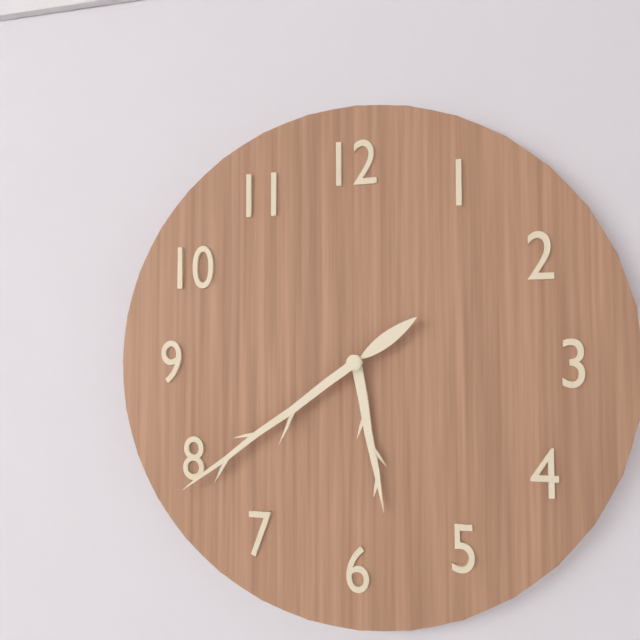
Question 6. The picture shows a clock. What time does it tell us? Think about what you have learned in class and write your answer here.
5:39
